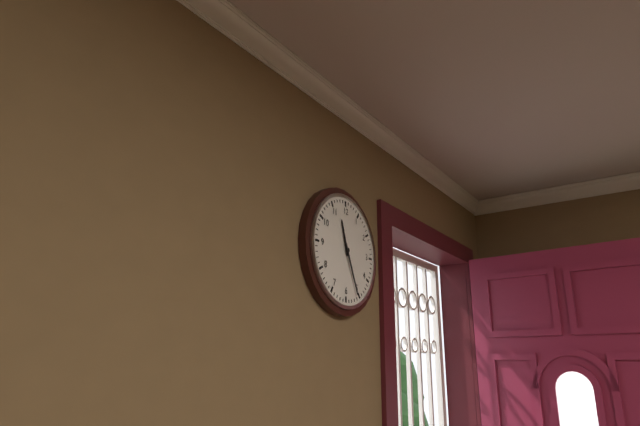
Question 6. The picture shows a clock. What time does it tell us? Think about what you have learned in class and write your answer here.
11:26
